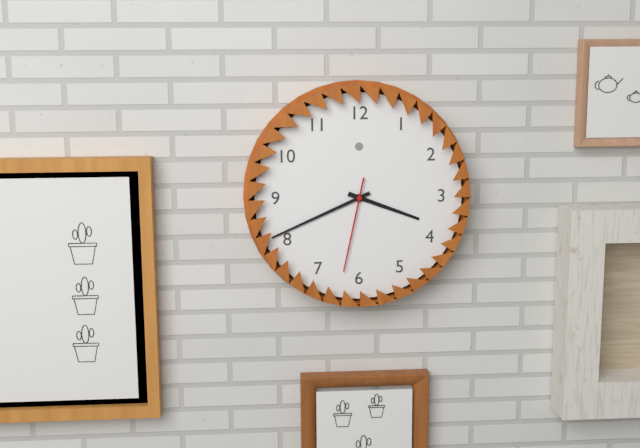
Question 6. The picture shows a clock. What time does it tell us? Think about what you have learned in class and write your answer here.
3:41:32
